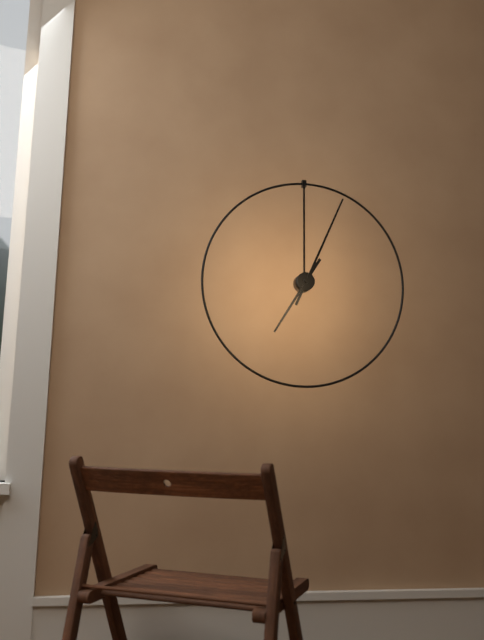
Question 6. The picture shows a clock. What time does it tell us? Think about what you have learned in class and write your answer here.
7:04
